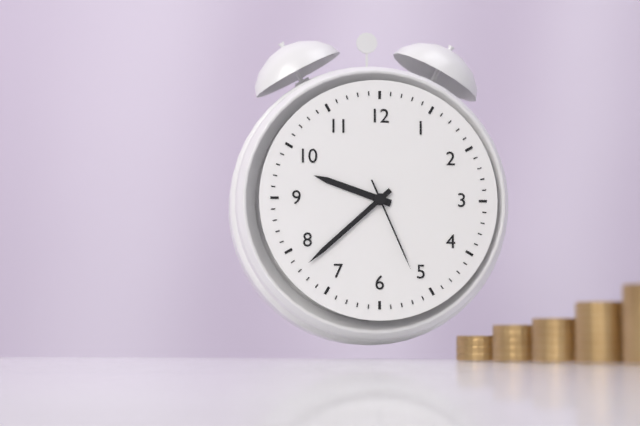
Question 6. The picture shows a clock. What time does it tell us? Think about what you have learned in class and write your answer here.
9:38:26
